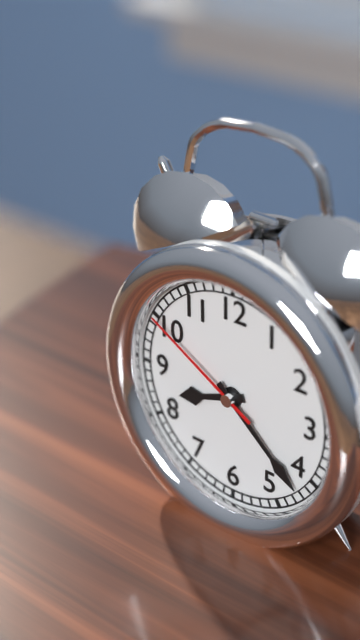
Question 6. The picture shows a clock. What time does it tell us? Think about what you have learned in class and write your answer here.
8:22:50
